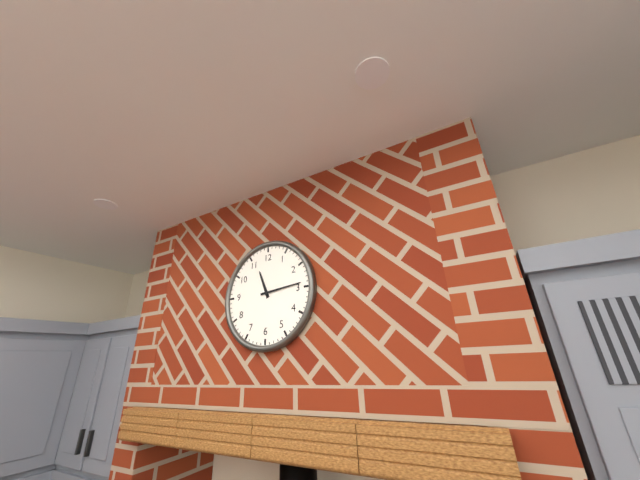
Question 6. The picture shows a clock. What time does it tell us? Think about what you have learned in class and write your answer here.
11:14
